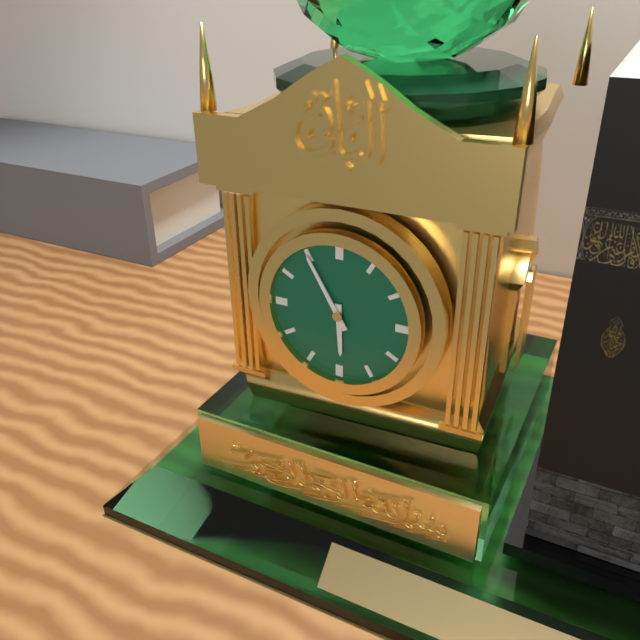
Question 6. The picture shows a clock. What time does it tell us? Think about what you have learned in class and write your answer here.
5:55
